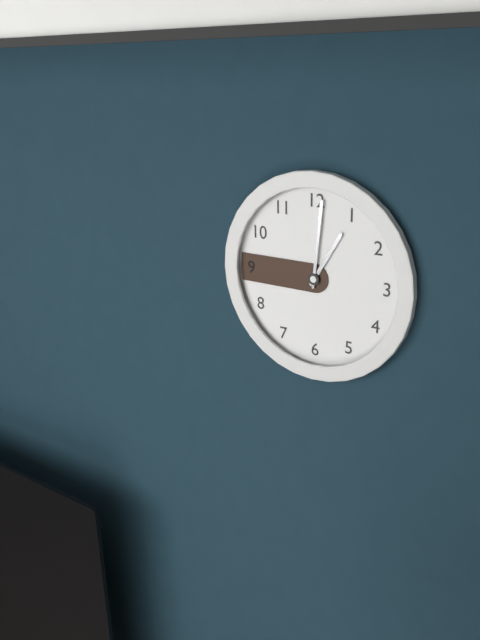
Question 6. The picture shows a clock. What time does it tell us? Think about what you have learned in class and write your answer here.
1:01
